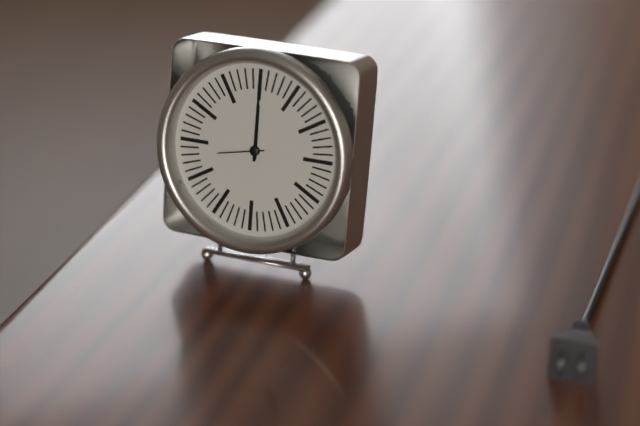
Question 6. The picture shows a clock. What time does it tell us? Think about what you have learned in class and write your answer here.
12:00
